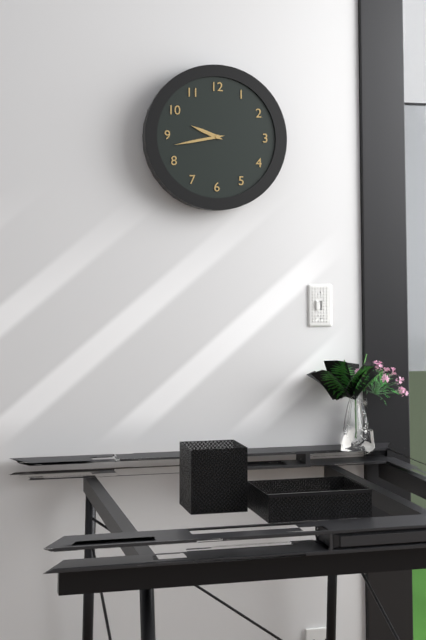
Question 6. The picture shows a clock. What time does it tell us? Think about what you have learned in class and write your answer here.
9:43
